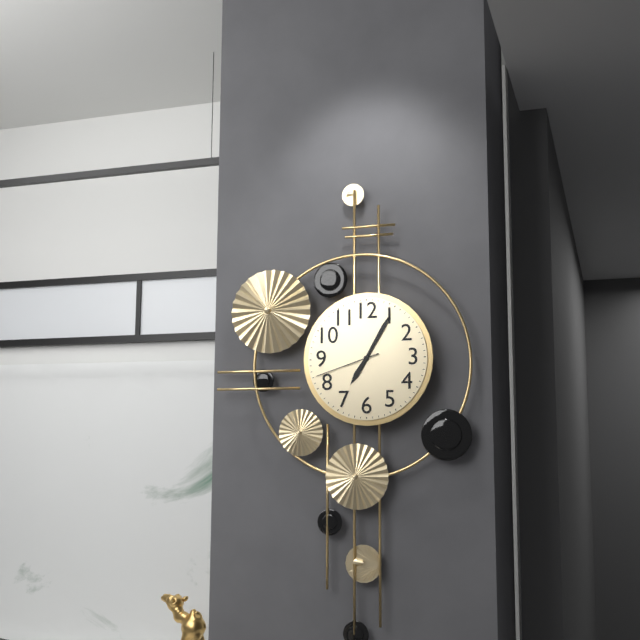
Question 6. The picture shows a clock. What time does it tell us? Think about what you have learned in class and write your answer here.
7:05:42
